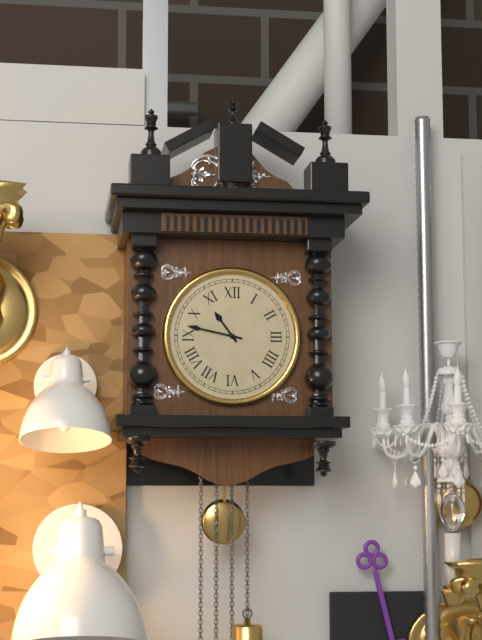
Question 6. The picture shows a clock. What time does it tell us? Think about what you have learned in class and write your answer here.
10:47
